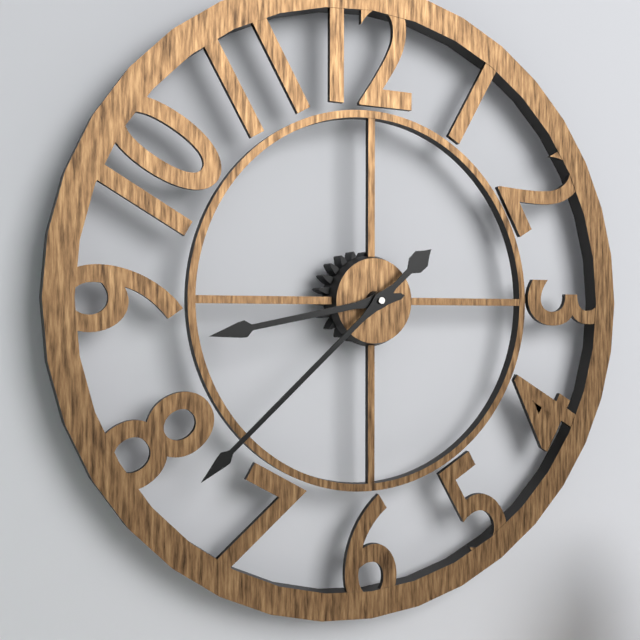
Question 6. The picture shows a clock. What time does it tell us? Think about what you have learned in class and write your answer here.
8:38
